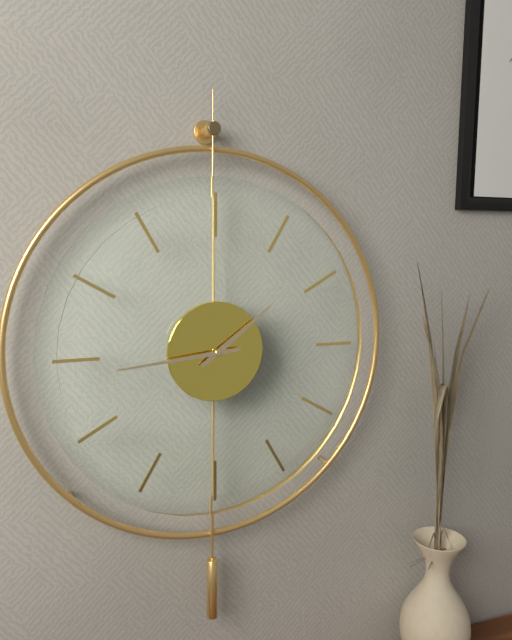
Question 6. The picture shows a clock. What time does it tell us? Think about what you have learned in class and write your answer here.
1:44
